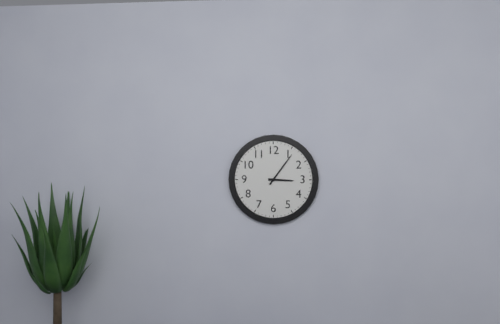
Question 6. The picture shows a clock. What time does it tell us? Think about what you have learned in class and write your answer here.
3:06
